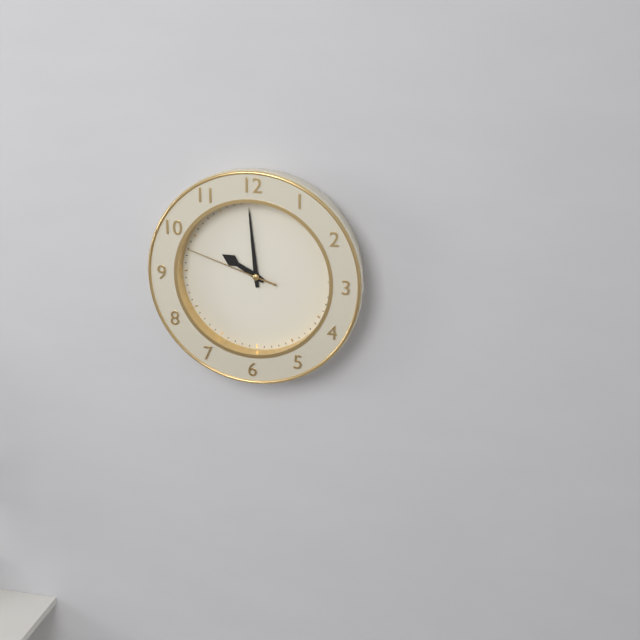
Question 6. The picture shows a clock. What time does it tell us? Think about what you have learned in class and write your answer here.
9:59:48
